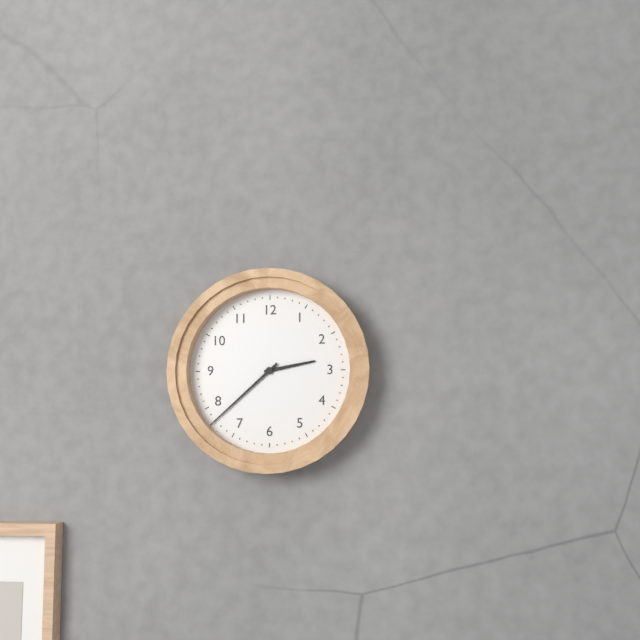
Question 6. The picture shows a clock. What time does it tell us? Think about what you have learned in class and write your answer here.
2:38
